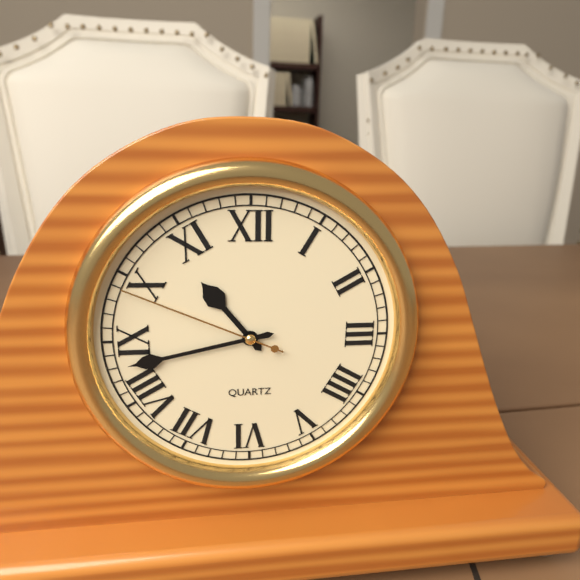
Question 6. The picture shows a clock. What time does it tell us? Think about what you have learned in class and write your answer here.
10:43:49
